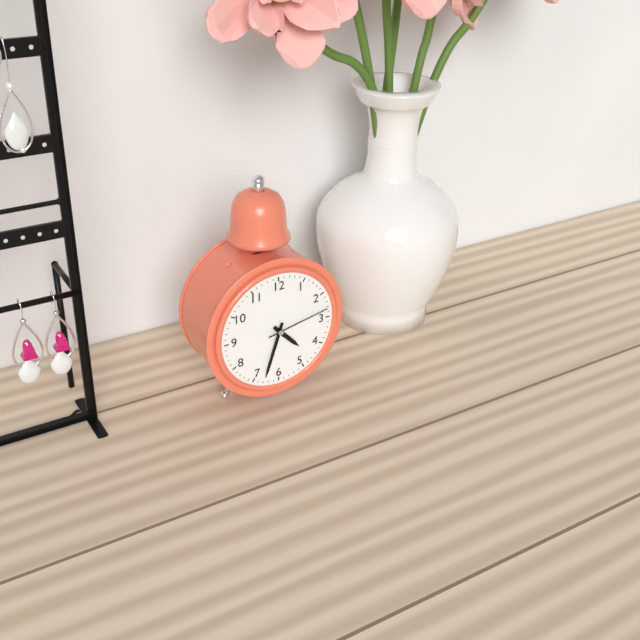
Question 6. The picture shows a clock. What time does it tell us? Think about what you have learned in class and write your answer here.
4:33:13
